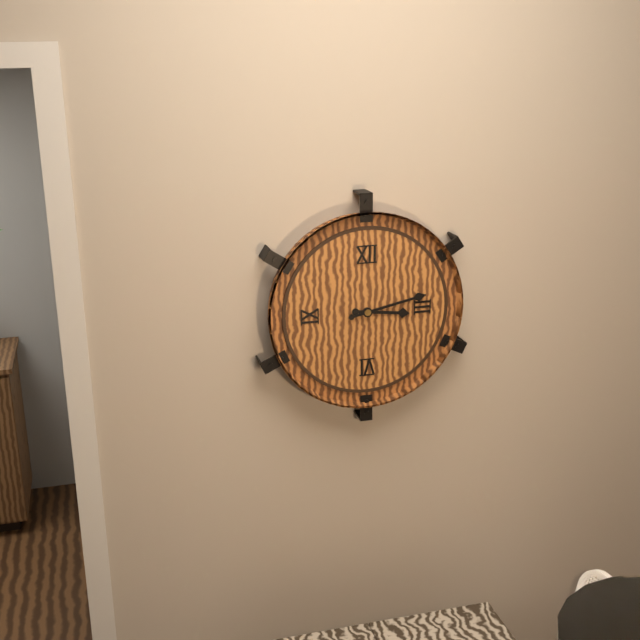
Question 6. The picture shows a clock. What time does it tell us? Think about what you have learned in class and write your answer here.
3:13
